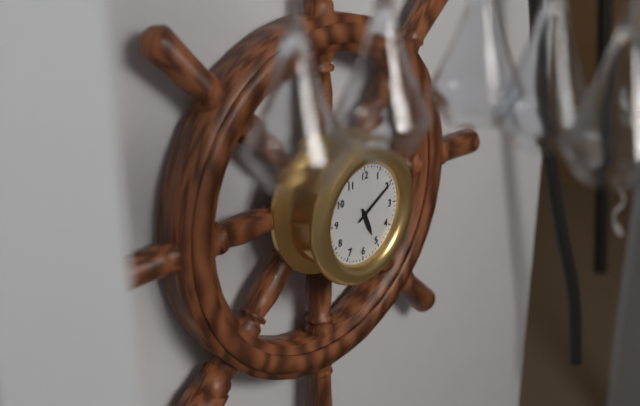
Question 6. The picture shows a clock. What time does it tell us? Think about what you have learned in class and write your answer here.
5:10
